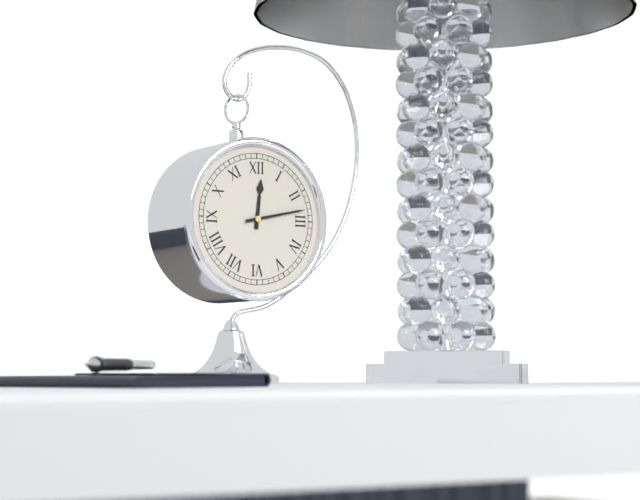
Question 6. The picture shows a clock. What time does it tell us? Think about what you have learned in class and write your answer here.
12:13
